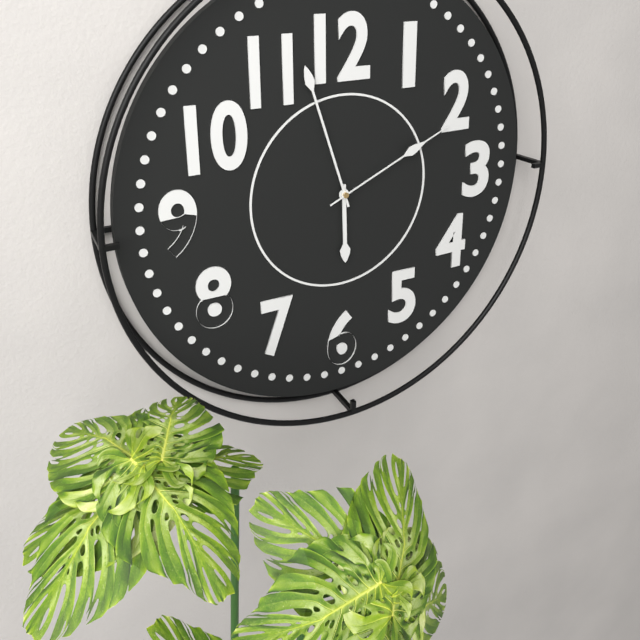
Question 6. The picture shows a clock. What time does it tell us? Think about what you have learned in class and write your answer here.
5:57:11
